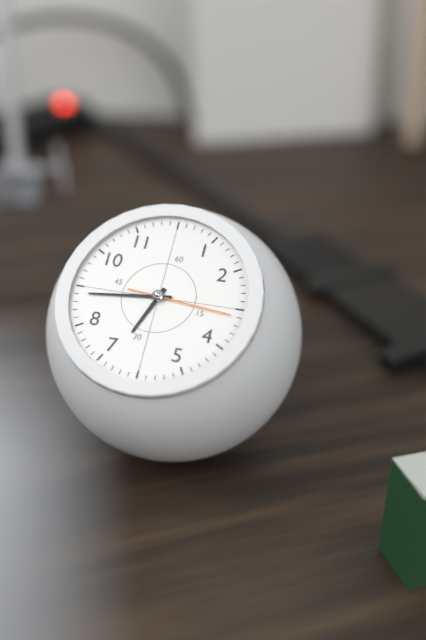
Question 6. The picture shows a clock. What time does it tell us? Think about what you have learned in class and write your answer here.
6:44:16
